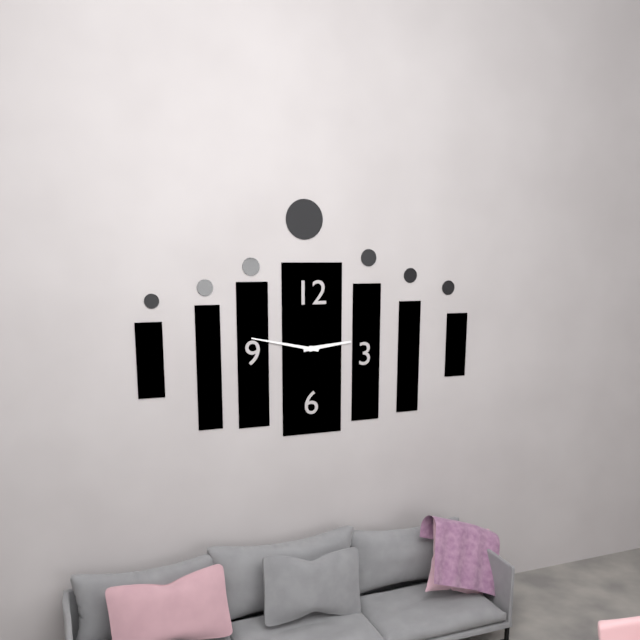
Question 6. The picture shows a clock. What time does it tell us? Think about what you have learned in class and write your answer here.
2:47
